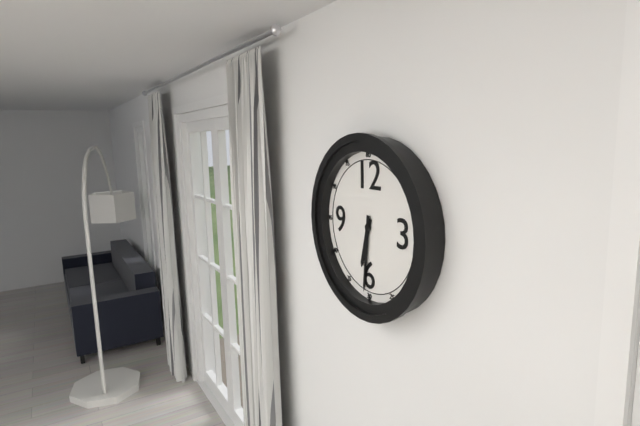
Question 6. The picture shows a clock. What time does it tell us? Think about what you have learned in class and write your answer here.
6:31
